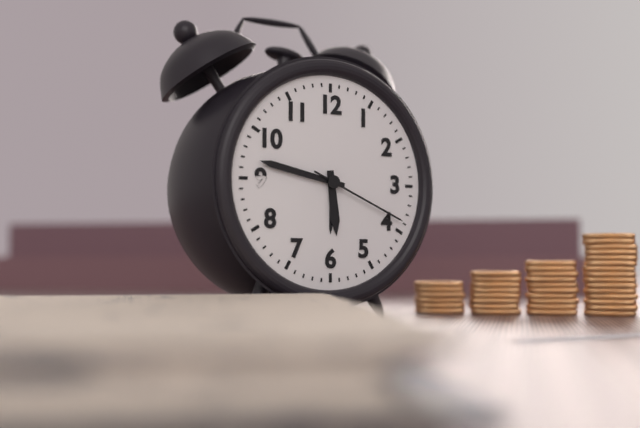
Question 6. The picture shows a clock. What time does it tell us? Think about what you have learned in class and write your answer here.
5:47:19
